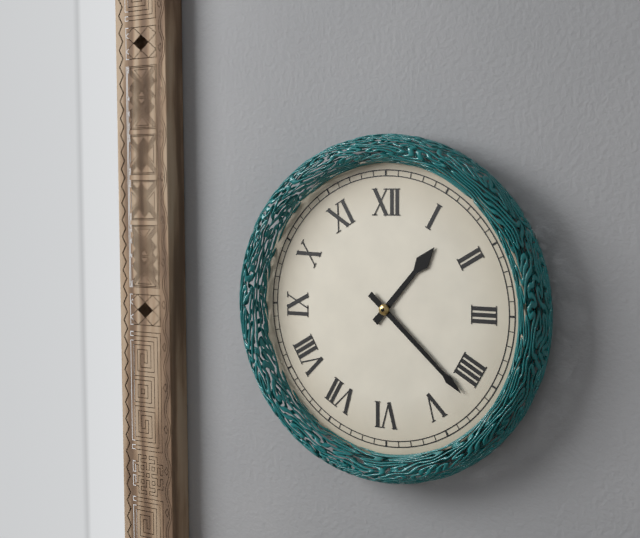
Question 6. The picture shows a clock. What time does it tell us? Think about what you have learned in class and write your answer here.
1:22
